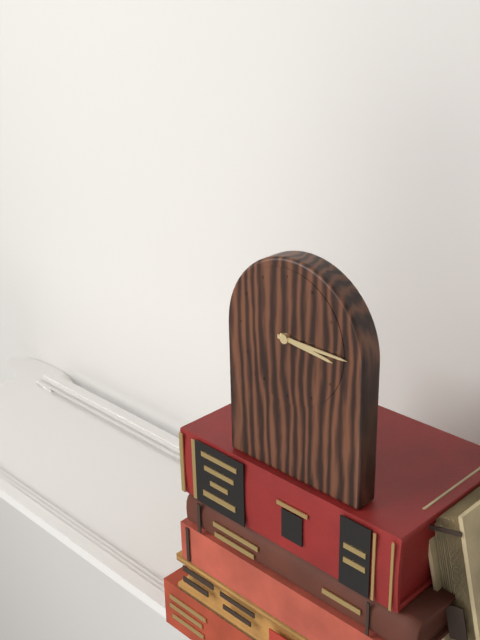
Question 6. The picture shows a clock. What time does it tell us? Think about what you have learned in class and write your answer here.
3:15
